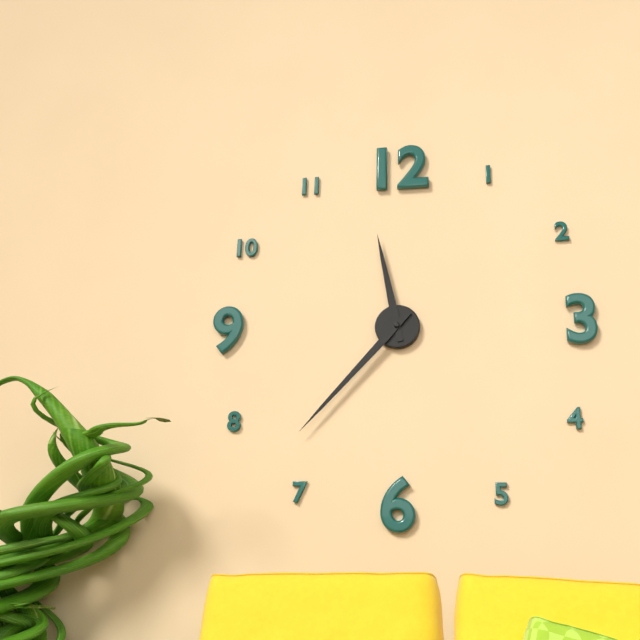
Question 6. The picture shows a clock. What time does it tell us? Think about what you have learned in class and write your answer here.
11:37
